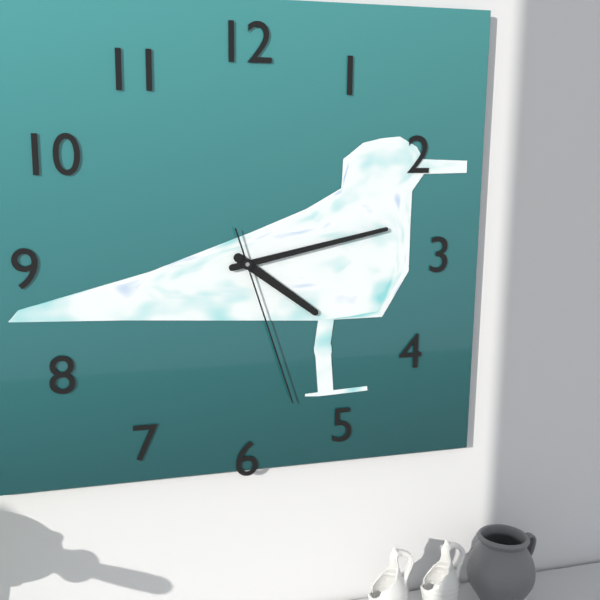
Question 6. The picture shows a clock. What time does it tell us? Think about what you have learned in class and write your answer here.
4:13:27
